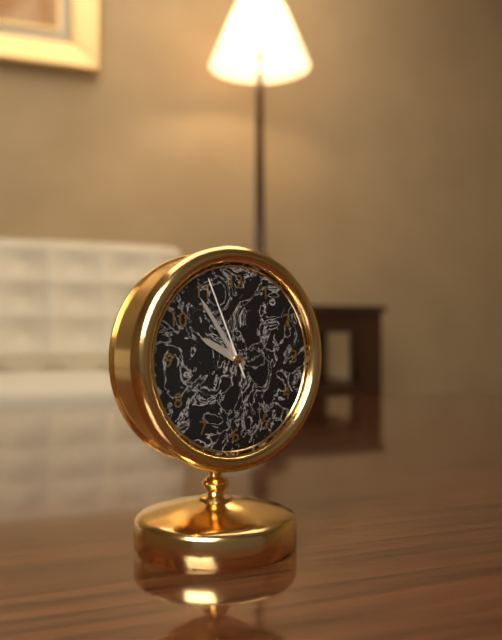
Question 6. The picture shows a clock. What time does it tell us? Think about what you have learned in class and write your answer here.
9:54:56
